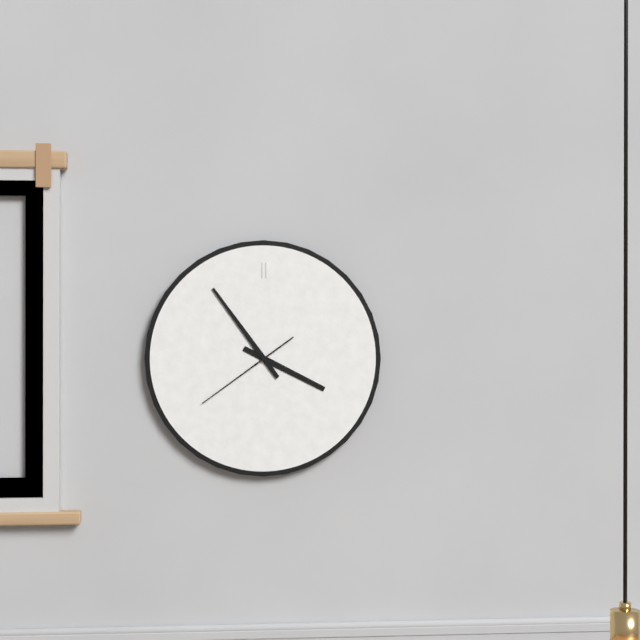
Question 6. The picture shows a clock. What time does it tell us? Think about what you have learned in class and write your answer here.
3:54:39
